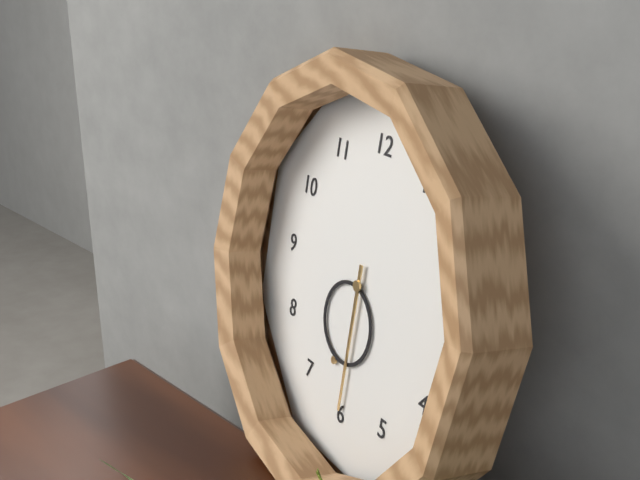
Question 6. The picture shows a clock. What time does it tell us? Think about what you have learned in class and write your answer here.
6:30
